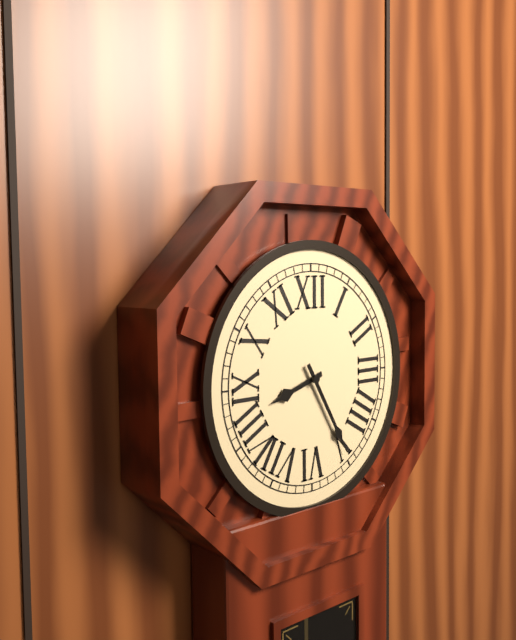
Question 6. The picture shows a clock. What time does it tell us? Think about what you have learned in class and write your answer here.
8:25
